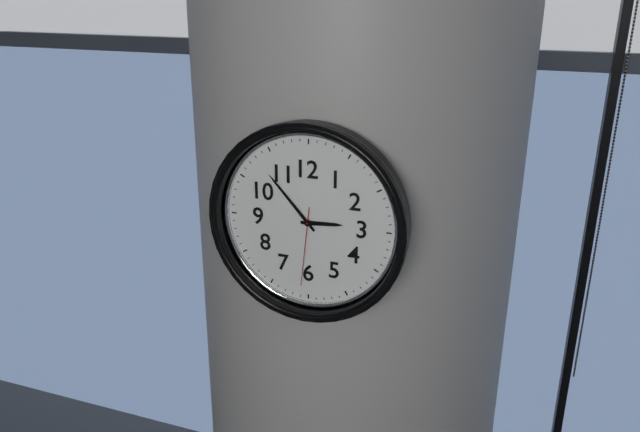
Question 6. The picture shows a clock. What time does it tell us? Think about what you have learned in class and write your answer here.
2:53:31
